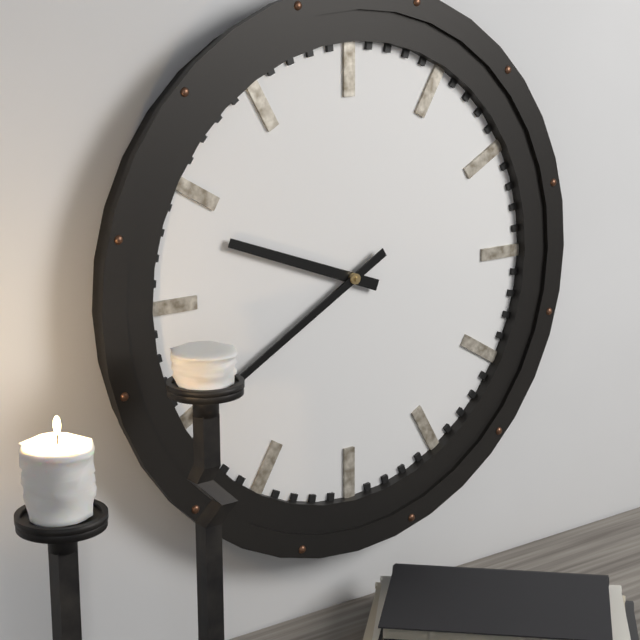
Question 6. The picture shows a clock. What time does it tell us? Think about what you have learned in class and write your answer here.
9:40
